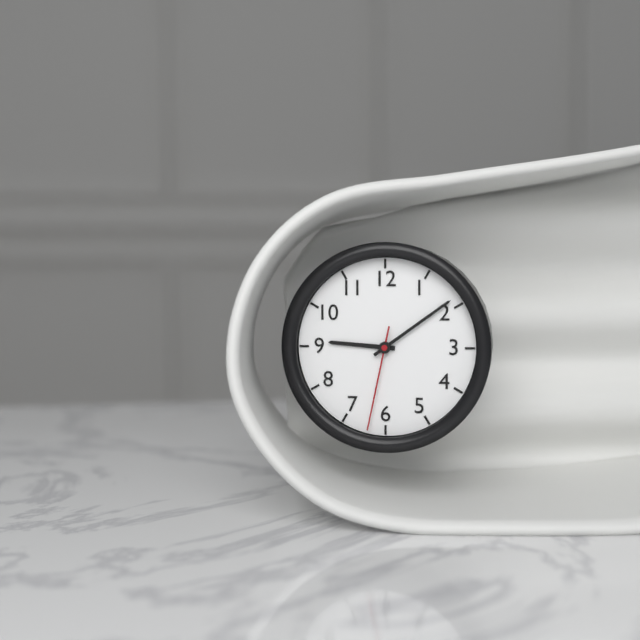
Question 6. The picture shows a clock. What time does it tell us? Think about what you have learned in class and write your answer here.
9:09:32
